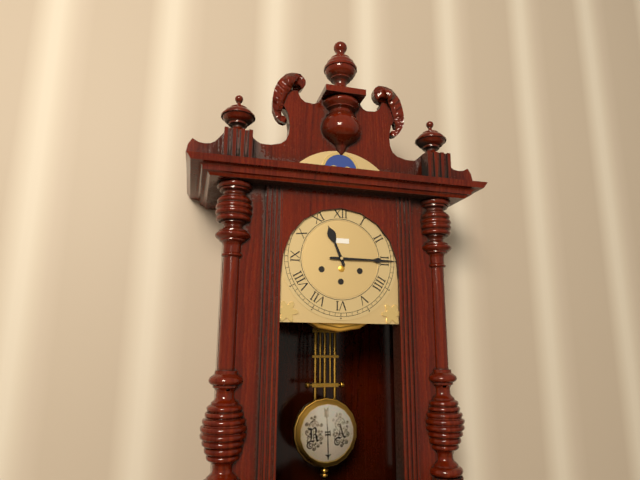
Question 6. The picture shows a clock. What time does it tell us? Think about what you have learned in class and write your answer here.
11:15
